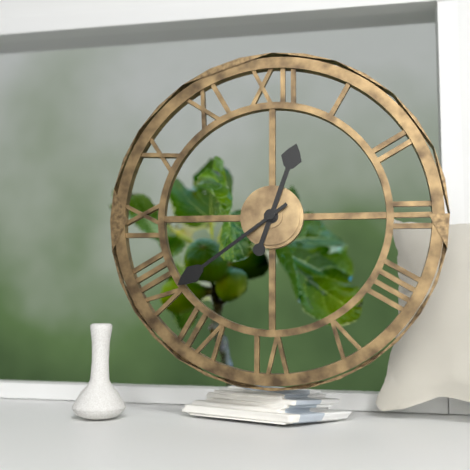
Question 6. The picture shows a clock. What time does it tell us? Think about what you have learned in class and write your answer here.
12:39
